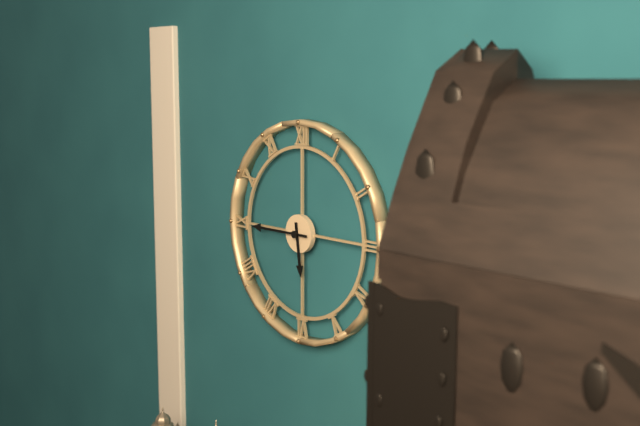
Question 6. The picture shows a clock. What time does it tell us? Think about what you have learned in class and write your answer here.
5:45
